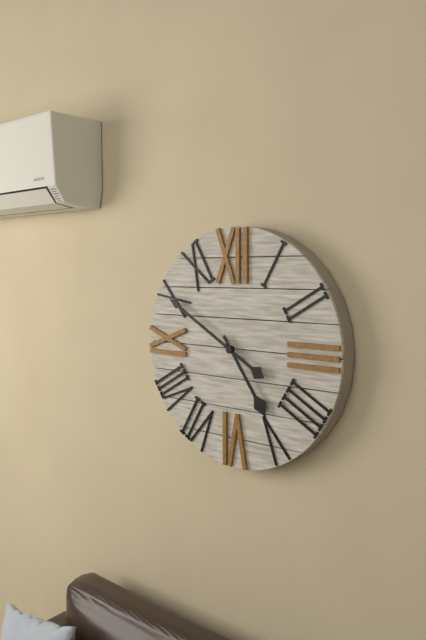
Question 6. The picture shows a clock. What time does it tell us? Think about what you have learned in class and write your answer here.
4:50
